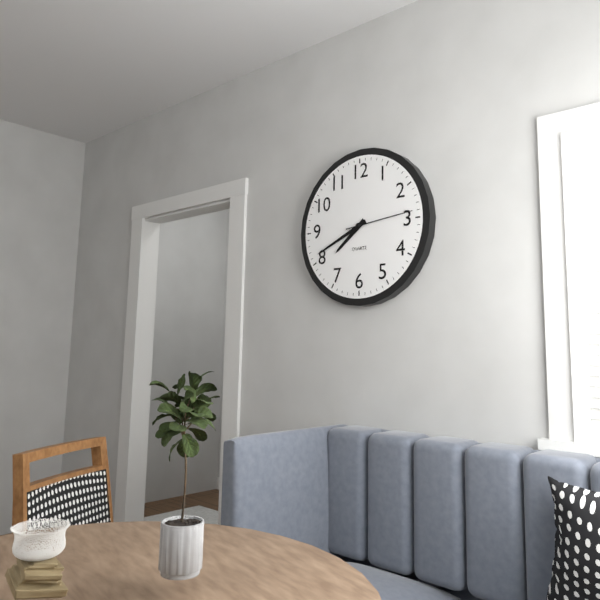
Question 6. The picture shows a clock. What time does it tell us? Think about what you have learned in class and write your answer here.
7:41:14
